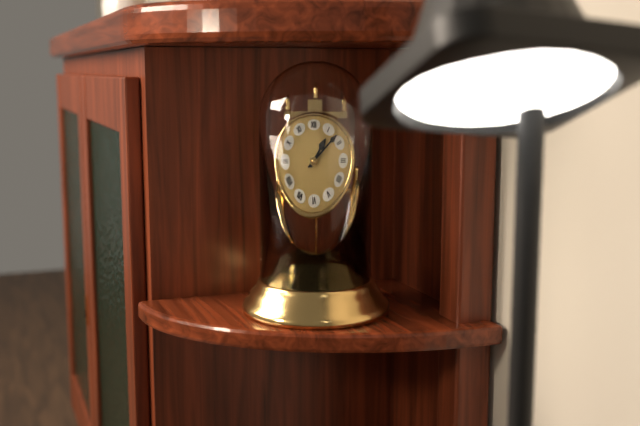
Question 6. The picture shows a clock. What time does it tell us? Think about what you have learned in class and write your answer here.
1:08
